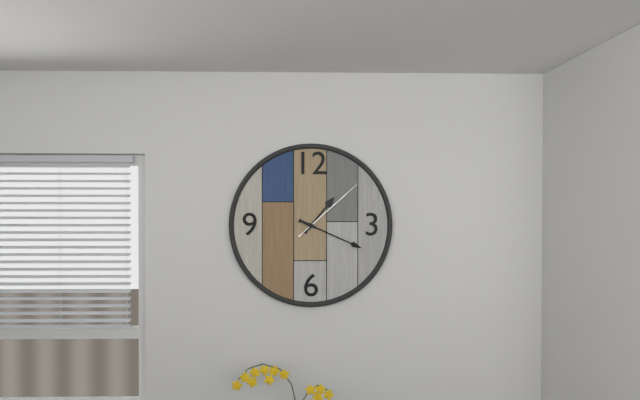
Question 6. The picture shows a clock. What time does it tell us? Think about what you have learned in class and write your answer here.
1:19:08
